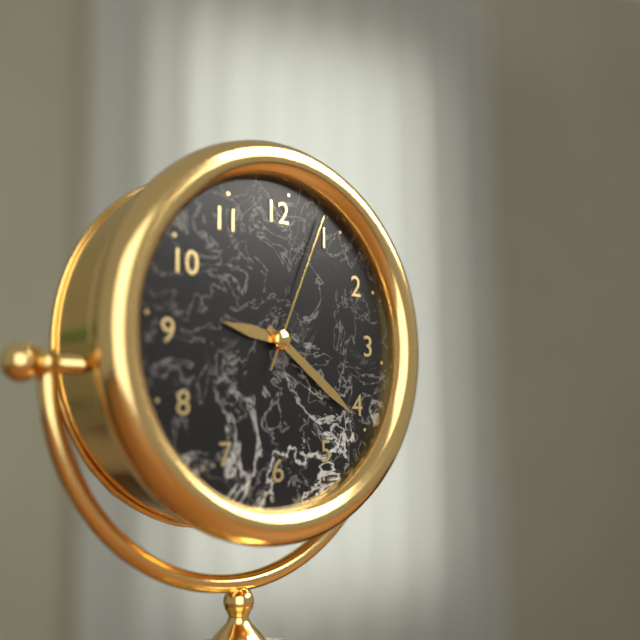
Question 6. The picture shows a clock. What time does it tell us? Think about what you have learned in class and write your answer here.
9:21:04
